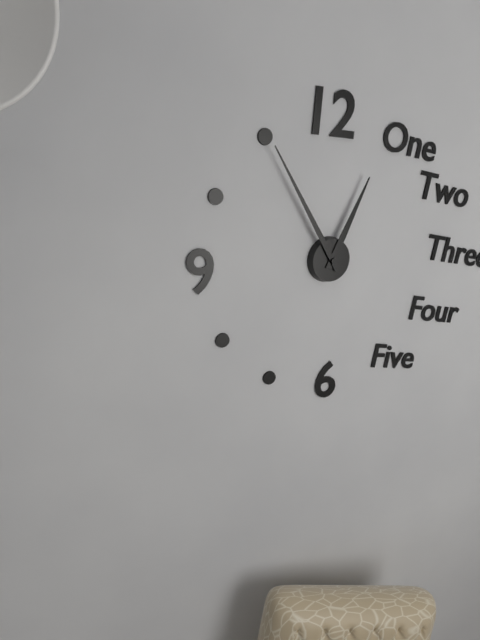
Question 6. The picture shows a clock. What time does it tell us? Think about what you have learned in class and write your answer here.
12:55
